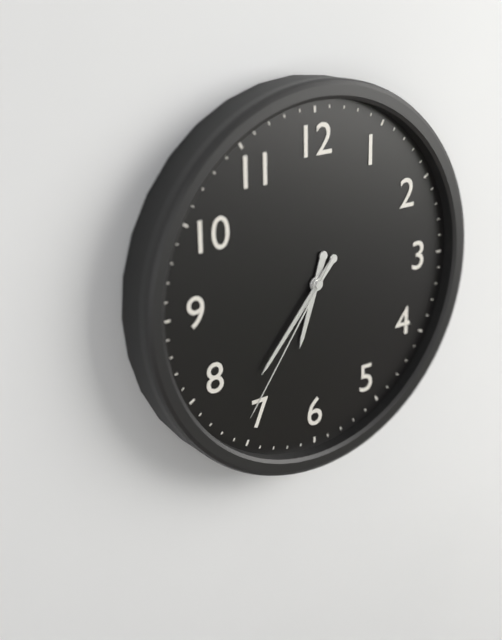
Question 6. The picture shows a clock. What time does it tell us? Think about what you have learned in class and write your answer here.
6:37:36
